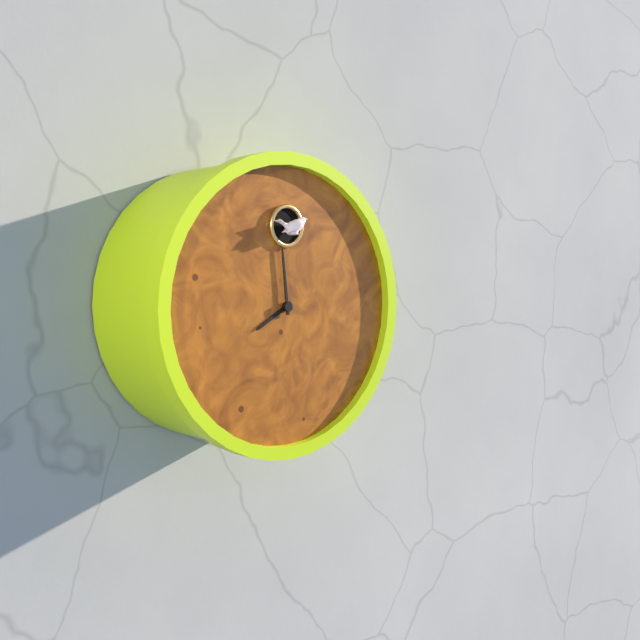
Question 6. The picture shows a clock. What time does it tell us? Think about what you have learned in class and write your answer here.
7:59
